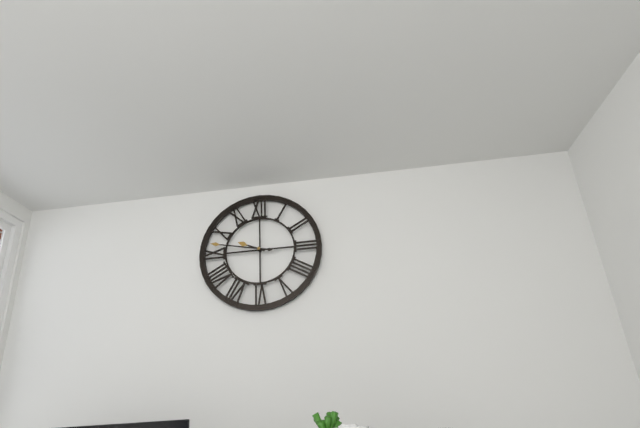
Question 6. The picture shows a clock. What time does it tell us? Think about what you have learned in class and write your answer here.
9:47
